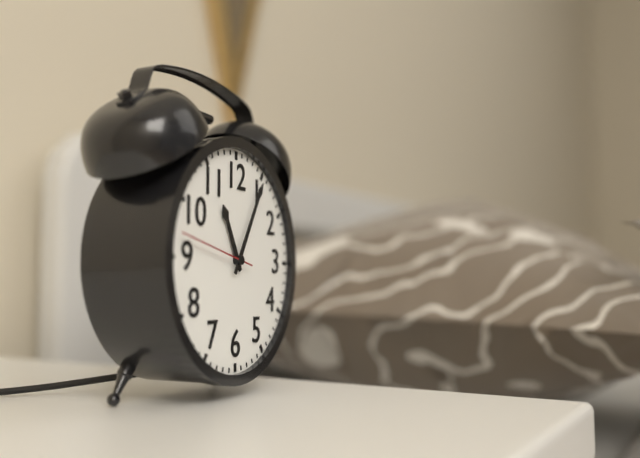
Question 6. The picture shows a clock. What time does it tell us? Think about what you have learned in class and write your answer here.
11:05:47
